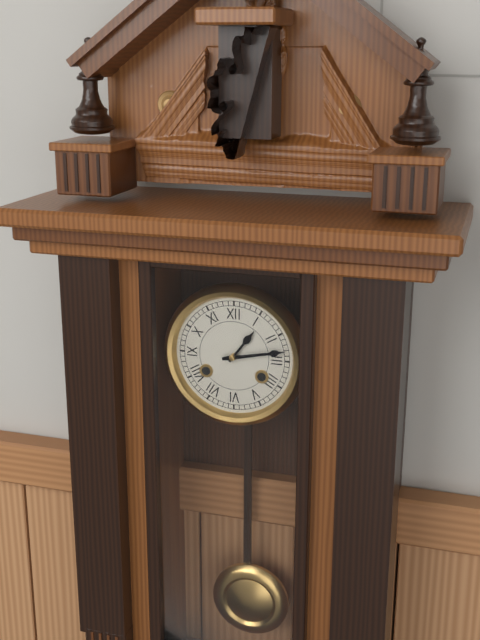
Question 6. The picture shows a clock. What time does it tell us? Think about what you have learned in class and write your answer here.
1:13
